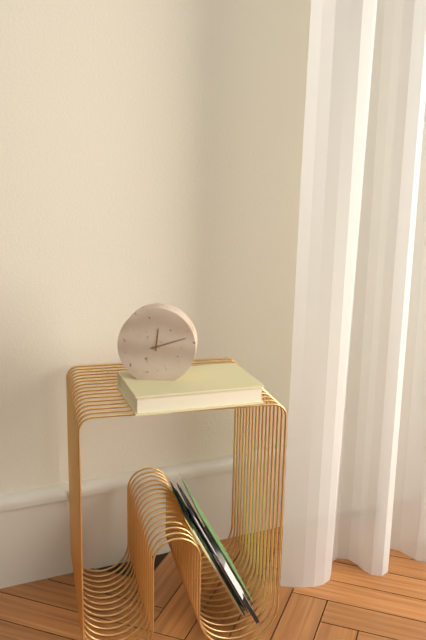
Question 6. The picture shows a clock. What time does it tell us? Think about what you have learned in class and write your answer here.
12:12
